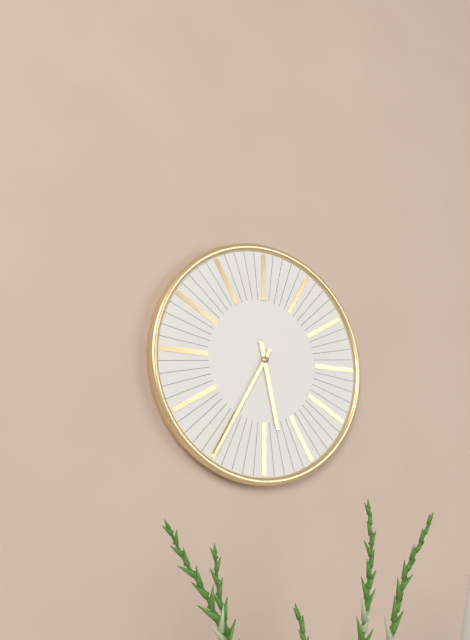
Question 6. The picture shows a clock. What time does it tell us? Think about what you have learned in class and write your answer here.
5:35
